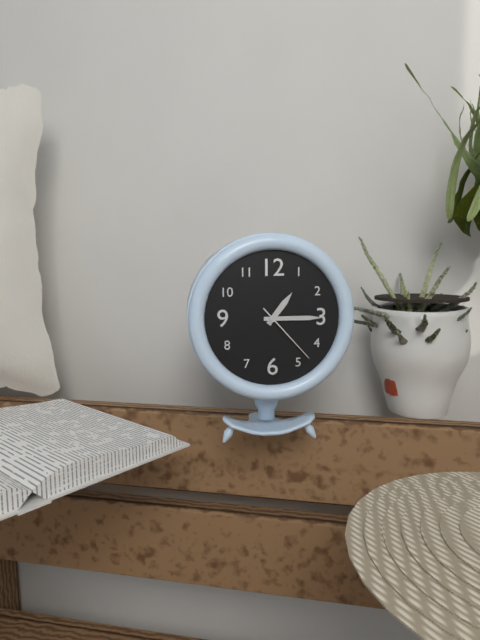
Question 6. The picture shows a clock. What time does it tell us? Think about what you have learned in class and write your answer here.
1:15:23
